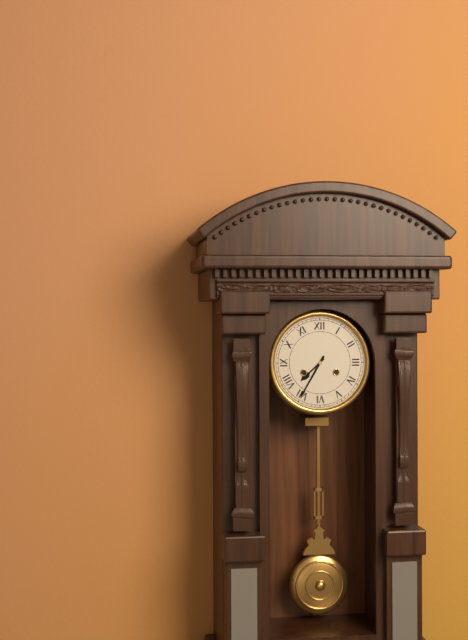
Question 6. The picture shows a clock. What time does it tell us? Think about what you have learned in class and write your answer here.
7:35
